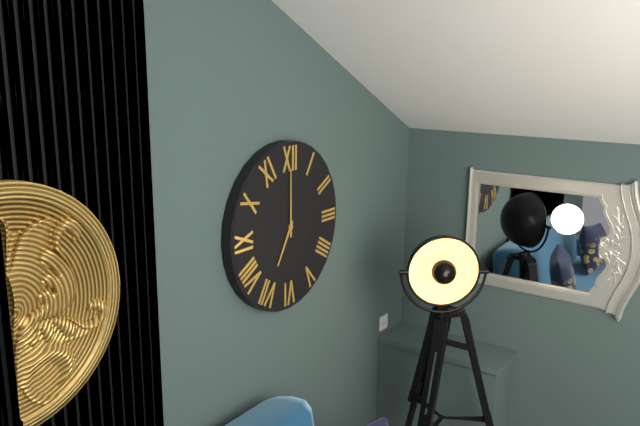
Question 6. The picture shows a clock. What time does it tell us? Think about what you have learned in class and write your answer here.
7:00
